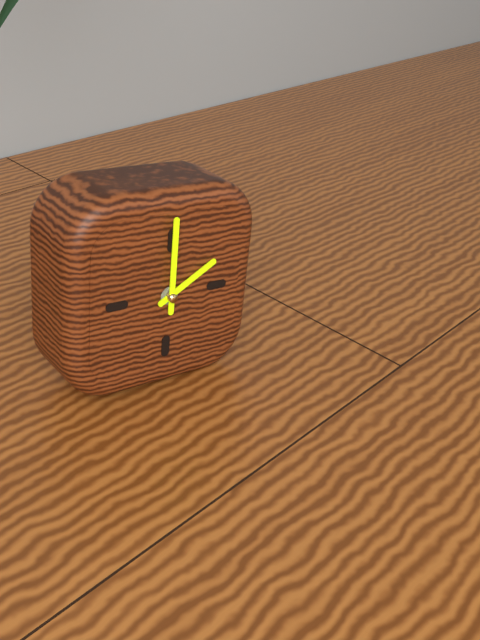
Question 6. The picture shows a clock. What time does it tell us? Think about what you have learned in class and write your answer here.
2:00
